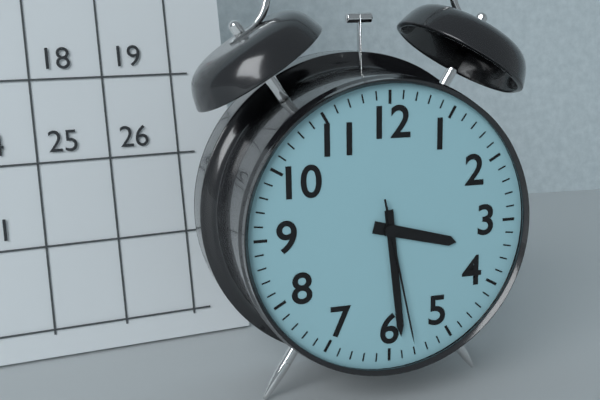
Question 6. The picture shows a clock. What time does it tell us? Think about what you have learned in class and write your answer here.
3:29:28
